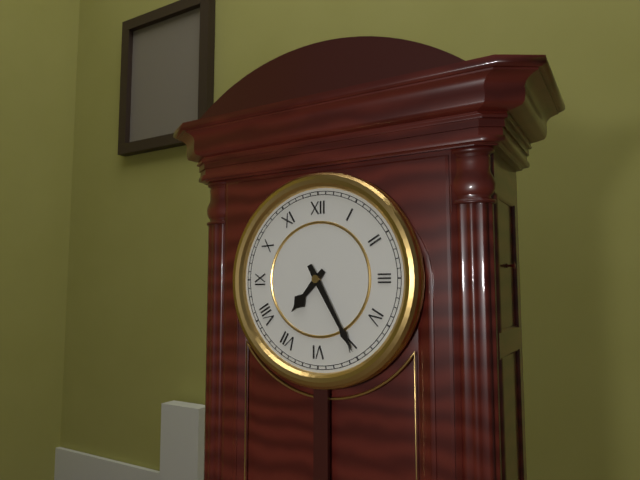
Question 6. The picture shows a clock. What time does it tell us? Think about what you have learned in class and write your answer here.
7:25
